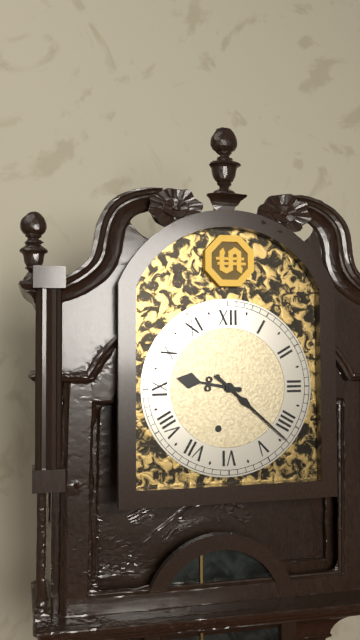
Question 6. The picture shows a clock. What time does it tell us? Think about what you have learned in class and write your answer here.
9:22
